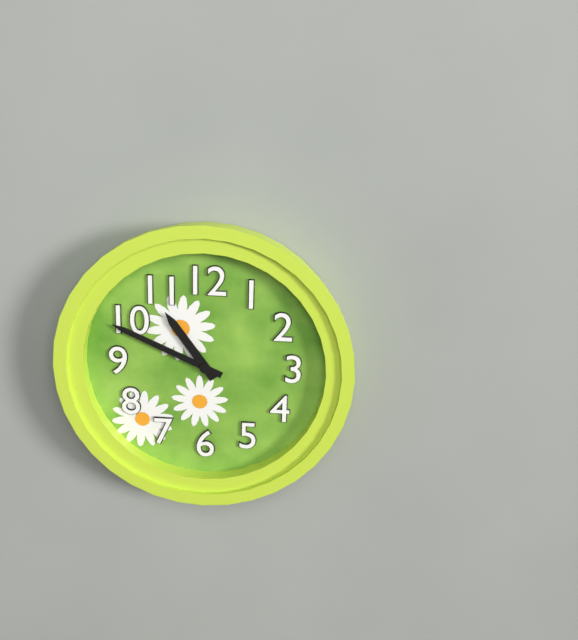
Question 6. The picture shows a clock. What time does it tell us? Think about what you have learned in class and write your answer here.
10:49
